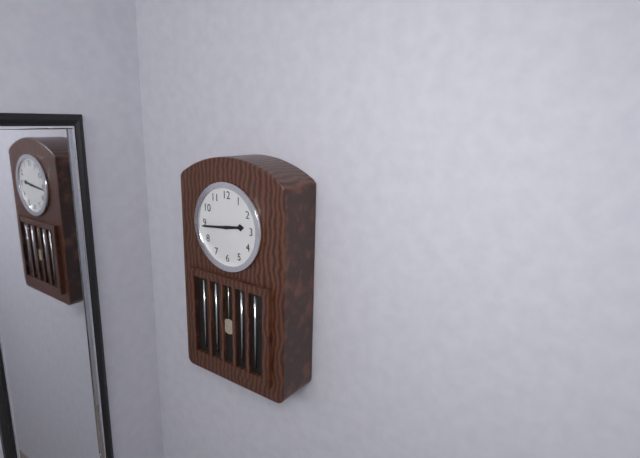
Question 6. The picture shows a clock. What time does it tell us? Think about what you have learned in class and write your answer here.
2:44
